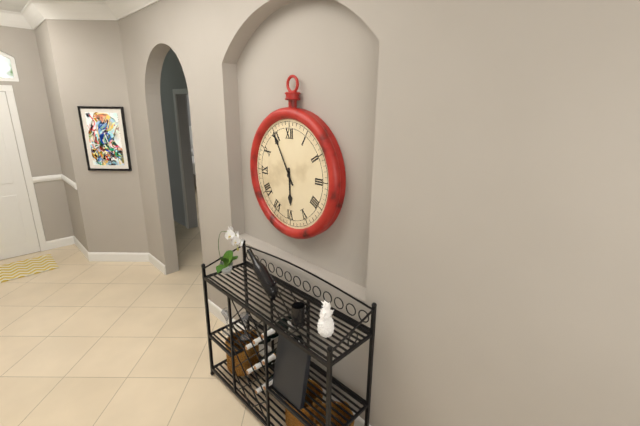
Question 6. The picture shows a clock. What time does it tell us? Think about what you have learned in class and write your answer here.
5:55
